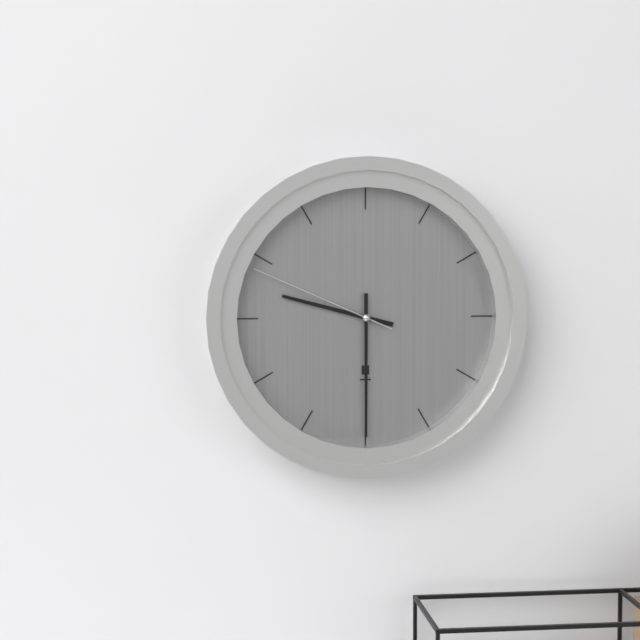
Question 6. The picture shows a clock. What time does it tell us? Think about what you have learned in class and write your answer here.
9:30:49
